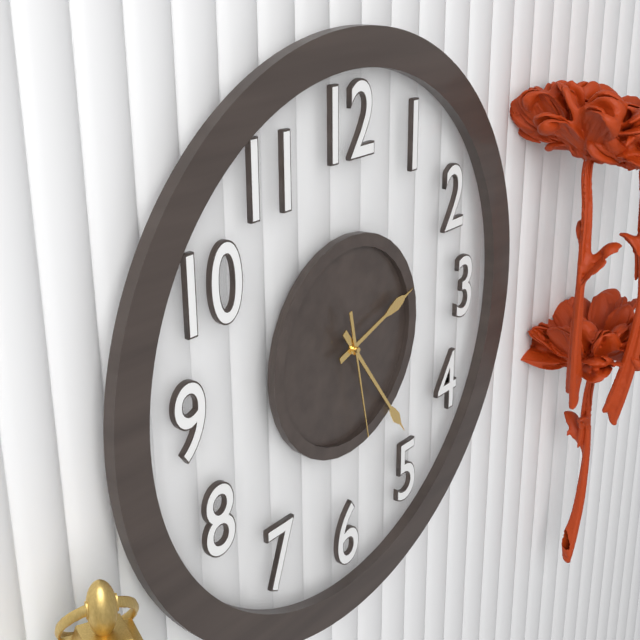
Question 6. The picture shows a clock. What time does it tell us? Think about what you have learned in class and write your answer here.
2:24:28
